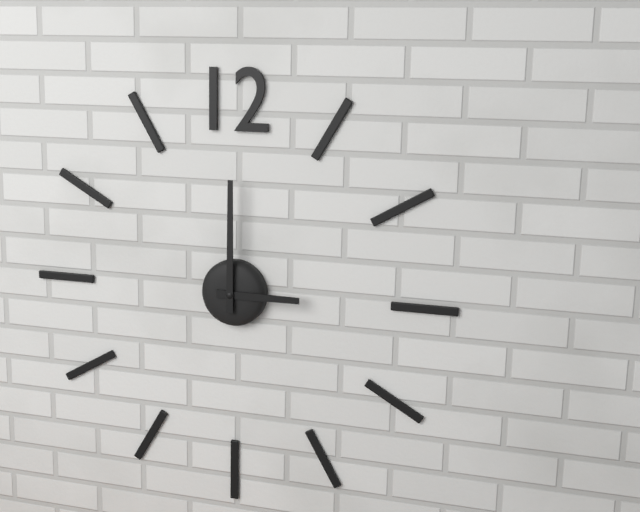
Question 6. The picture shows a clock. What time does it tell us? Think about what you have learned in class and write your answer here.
3:00
